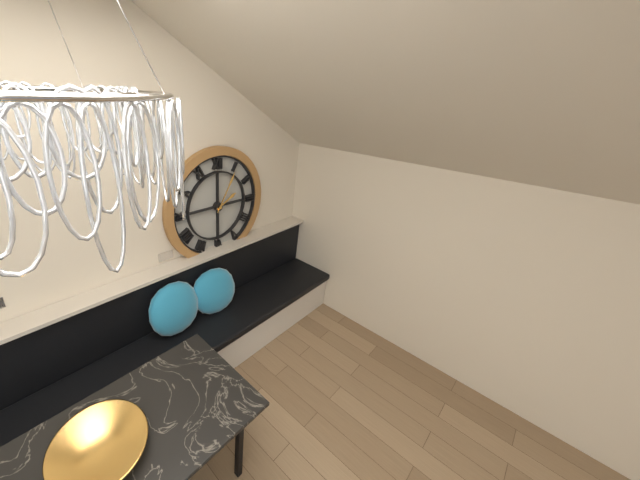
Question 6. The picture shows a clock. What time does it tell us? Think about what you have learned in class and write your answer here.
2:05
